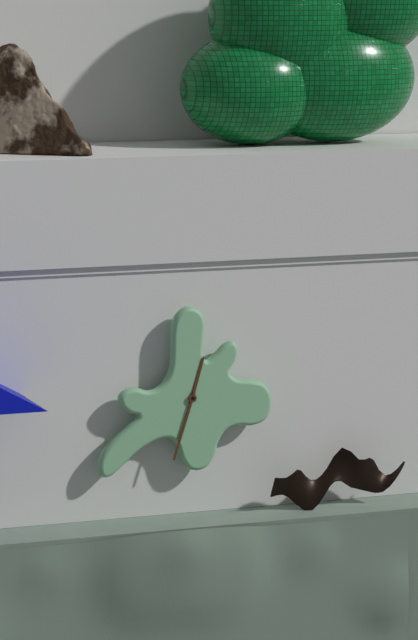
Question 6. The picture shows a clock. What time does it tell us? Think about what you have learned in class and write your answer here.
12:33
